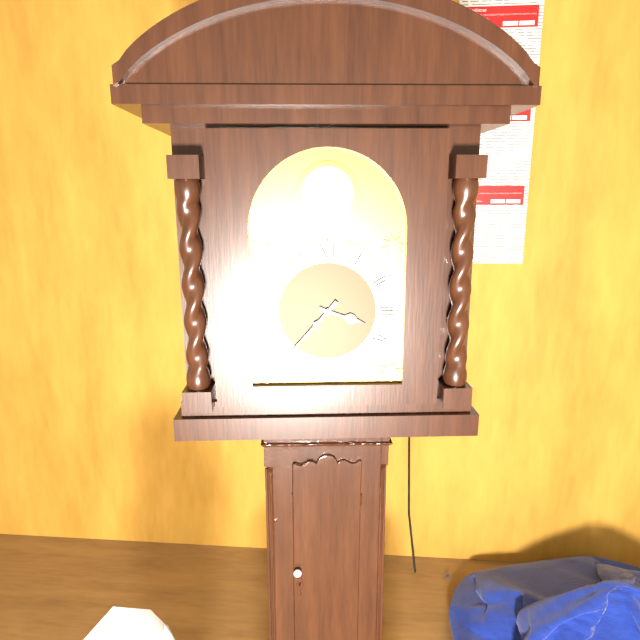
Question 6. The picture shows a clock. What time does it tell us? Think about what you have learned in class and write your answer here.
3:37
